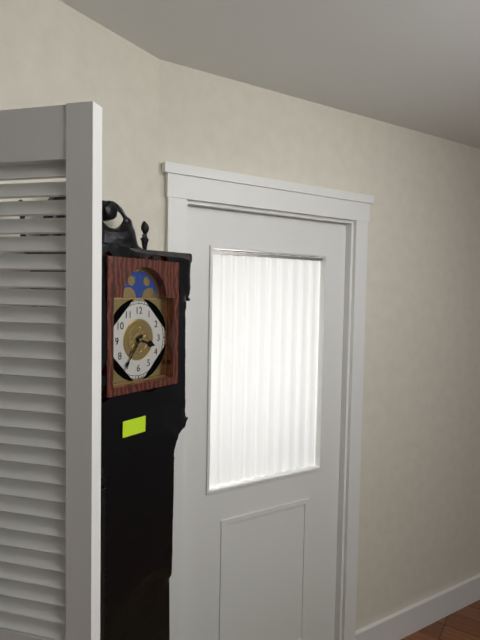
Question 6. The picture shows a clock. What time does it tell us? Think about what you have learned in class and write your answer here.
3:36
